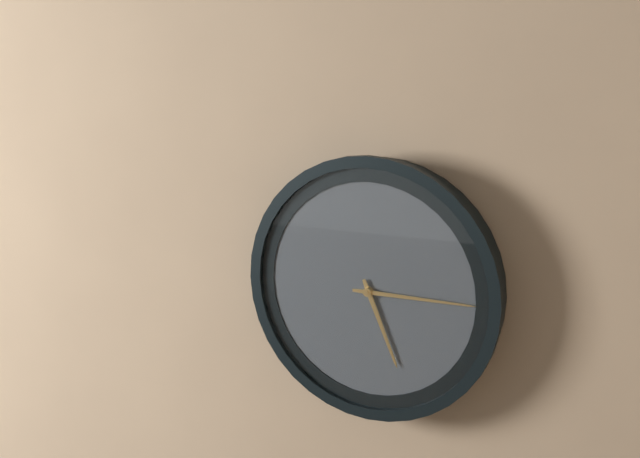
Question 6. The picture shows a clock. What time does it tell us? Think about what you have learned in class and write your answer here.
5:15
